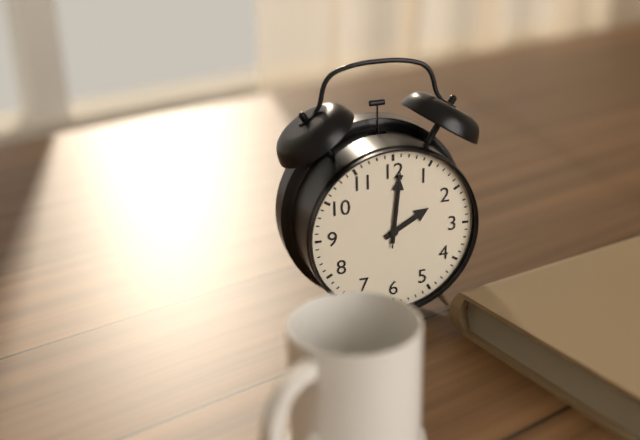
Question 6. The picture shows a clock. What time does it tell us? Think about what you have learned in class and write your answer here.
2:01:01
